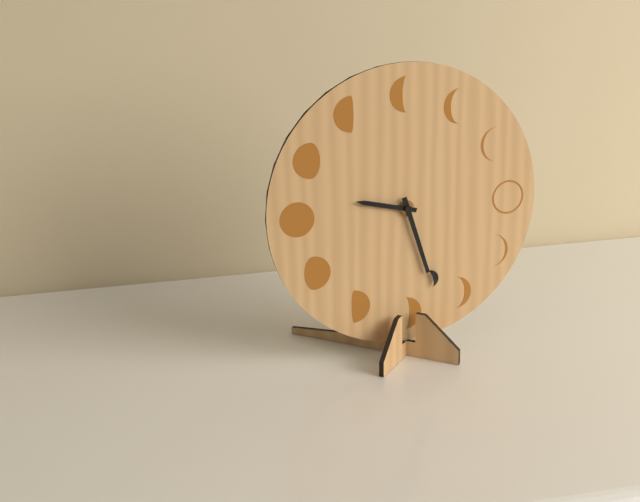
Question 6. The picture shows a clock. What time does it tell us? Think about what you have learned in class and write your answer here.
9:27
